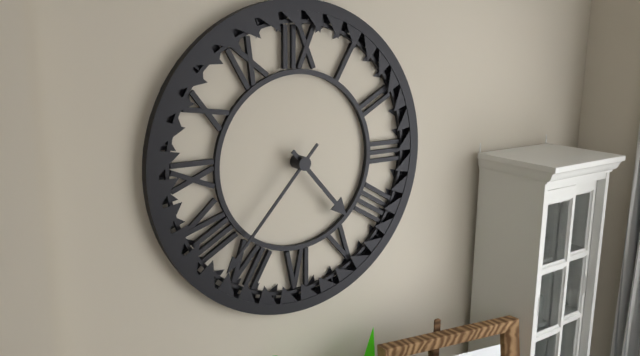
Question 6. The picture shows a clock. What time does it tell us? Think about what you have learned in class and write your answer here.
4:37
